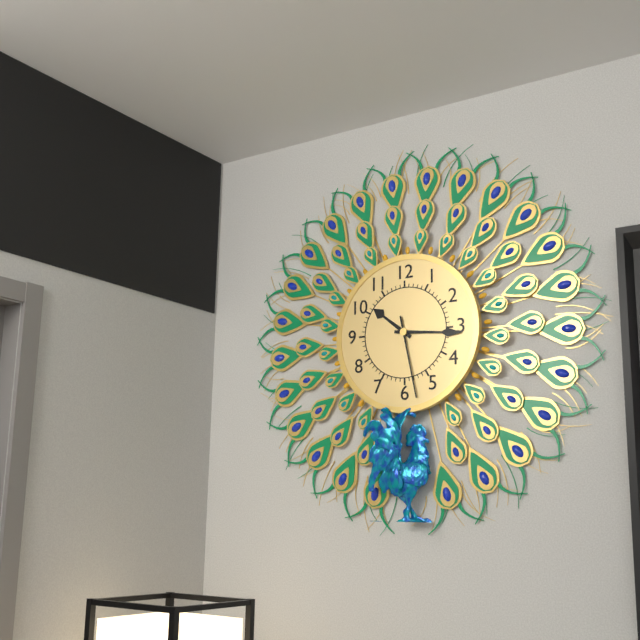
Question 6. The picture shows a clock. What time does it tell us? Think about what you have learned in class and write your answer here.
10:16:28
